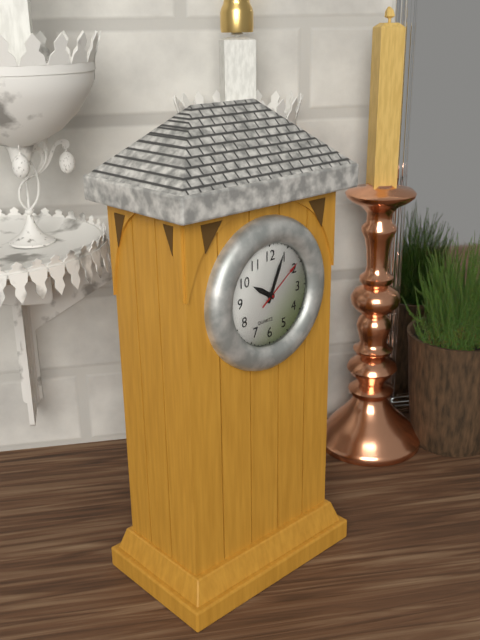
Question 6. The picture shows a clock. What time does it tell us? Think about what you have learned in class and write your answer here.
10:04:09
